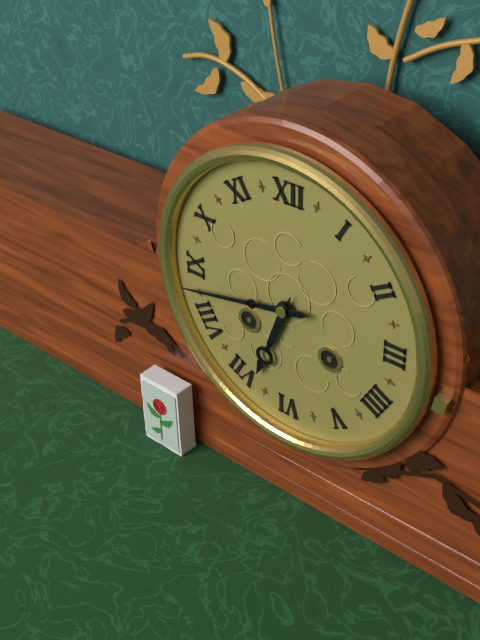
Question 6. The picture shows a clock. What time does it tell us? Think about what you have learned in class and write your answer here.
6:43
